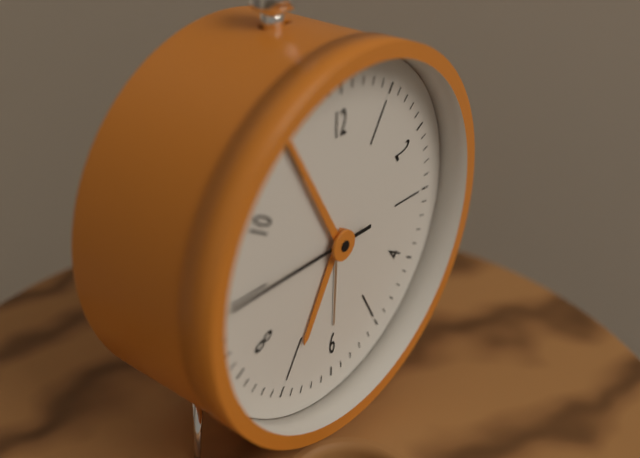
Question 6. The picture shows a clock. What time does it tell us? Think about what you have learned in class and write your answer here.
6:55:45
